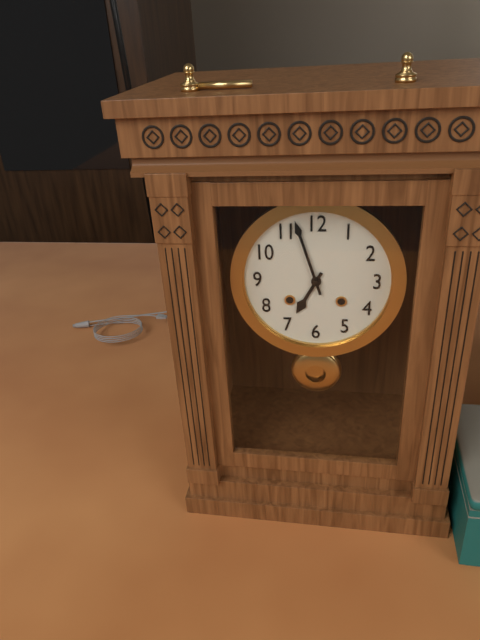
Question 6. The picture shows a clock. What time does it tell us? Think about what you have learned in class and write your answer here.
6:57
